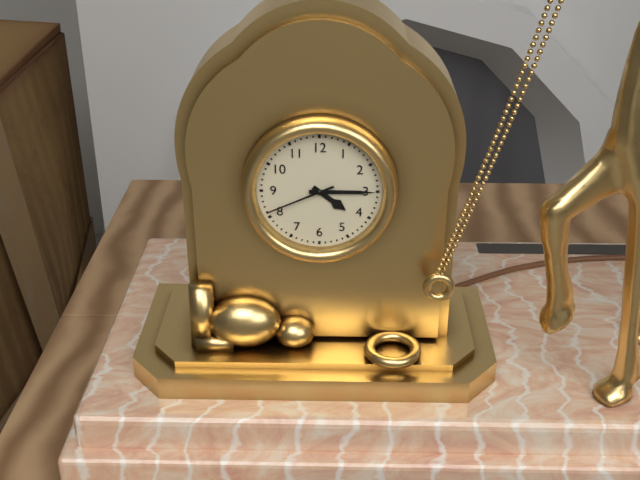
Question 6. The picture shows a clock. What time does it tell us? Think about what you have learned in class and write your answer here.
4:15:41
